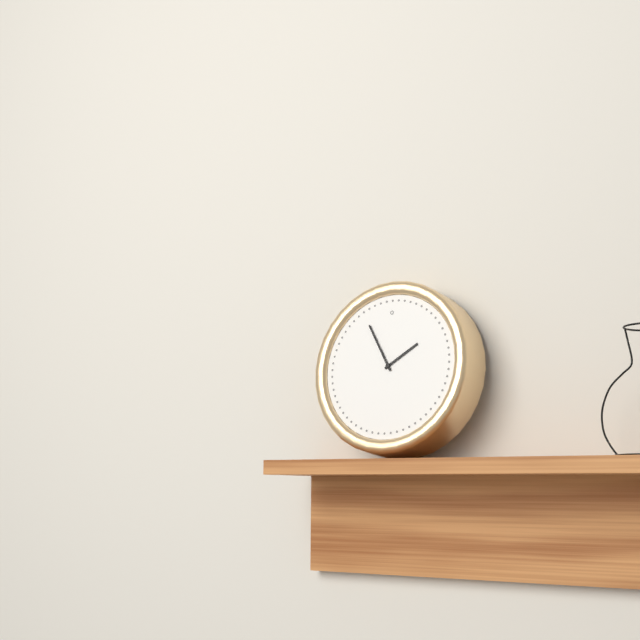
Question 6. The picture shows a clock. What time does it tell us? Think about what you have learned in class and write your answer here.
1:55
